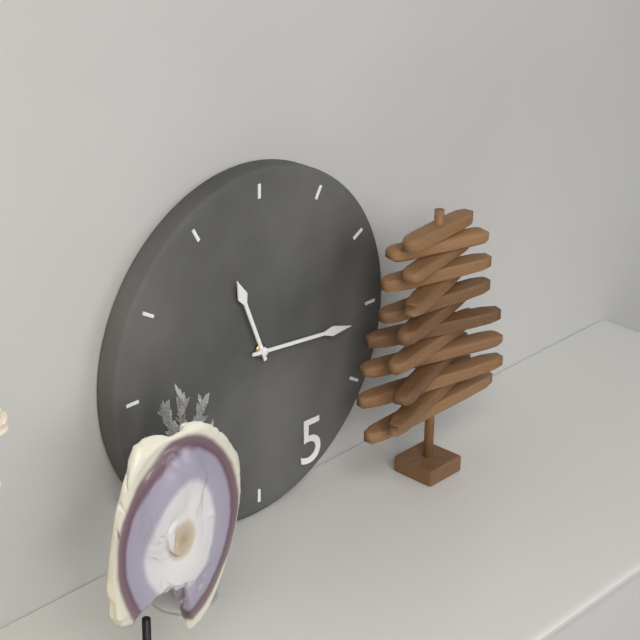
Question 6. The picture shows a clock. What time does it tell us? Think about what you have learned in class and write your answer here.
11:16
